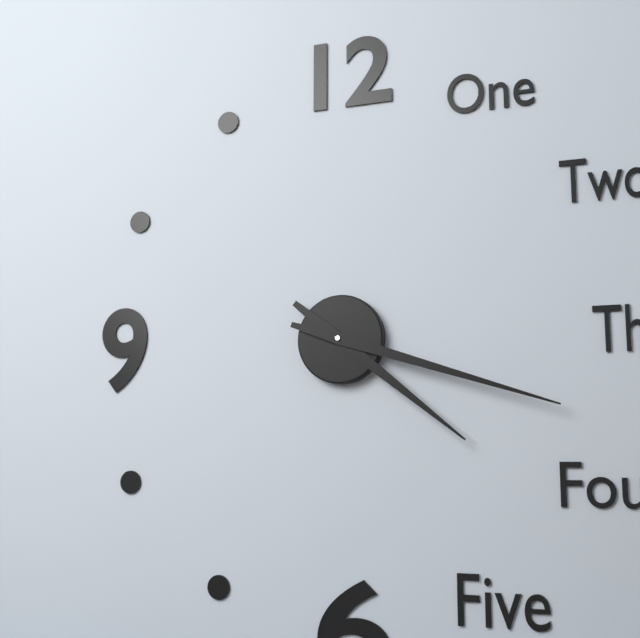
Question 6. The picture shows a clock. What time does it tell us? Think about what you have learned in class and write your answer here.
4:18
